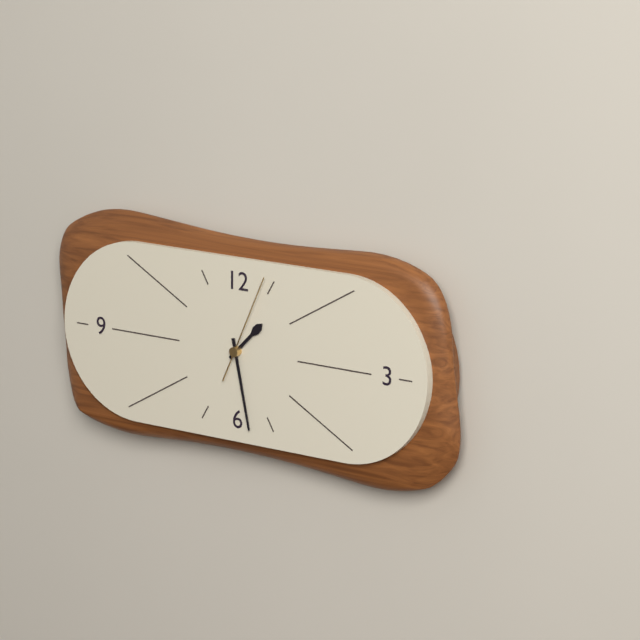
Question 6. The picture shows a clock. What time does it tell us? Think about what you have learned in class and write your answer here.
1:28:04
